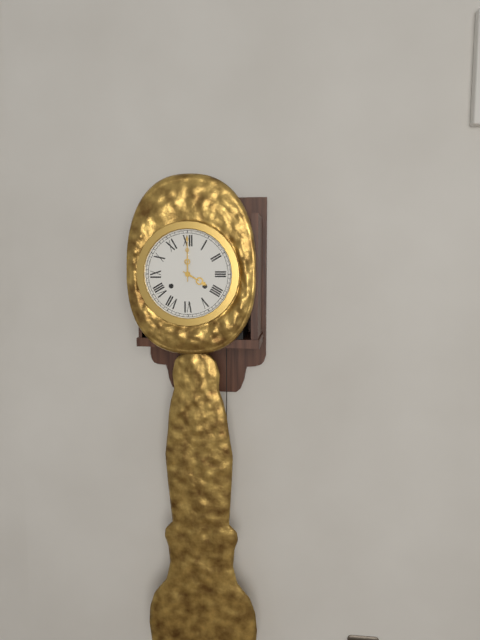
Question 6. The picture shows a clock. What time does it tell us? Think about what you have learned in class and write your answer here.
4:00
